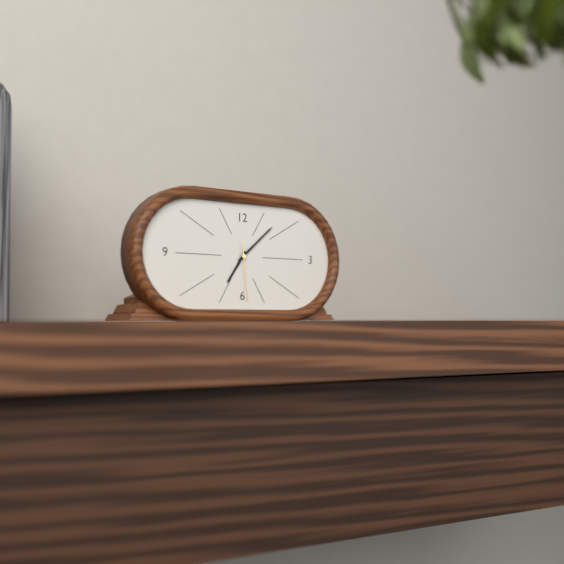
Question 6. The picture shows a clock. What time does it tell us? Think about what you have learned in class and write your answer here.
7:08:29
